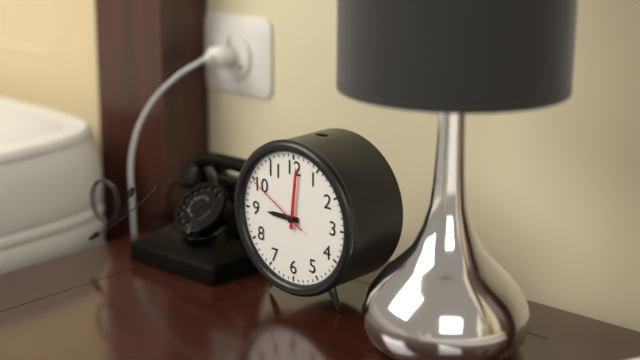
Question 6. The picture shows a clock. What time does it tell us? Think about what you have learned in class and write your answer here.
9:01:50
